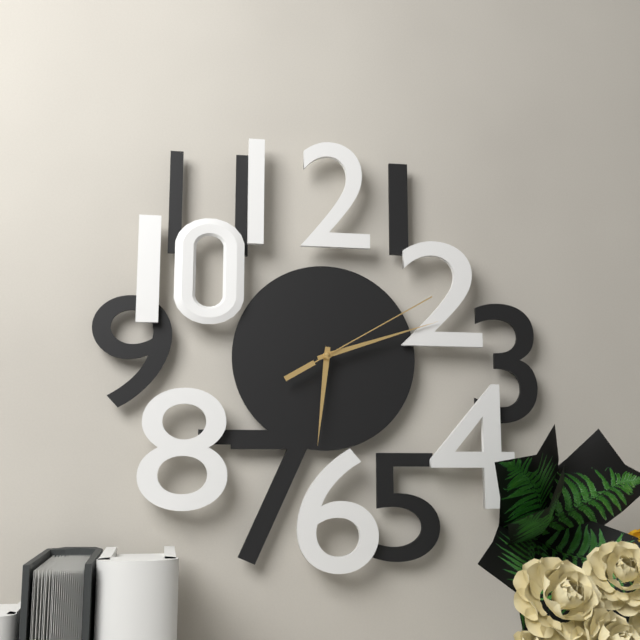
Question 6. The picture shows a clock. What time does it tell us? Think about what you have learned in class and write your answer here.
6:12:10
